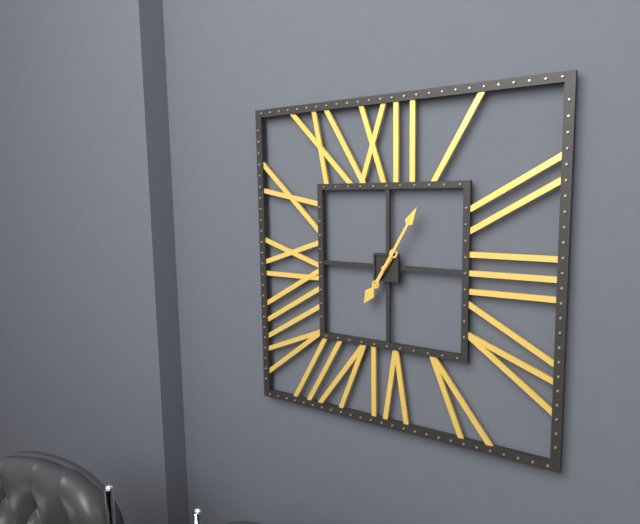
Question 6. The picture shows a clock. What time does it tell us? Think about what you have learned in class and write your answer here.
7:05
